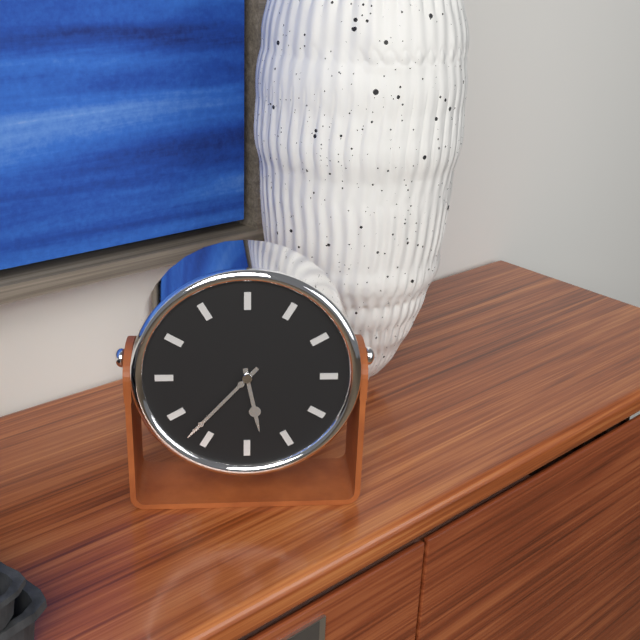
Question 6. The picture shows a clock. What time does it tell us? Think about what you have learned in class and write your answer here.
5:37
